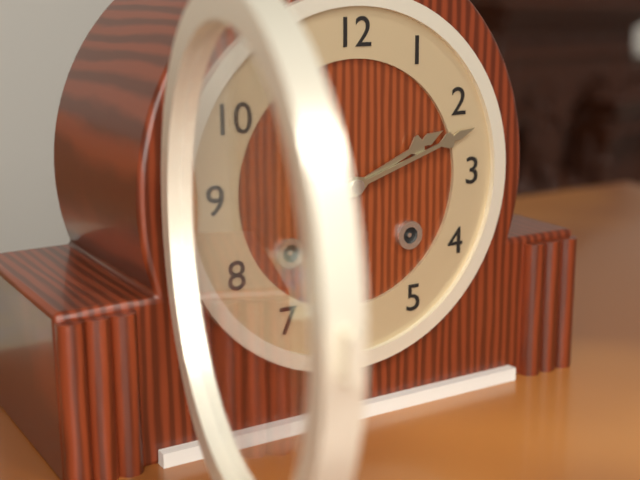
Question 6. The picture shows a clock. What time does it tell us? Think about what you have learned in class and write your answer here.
2:12
